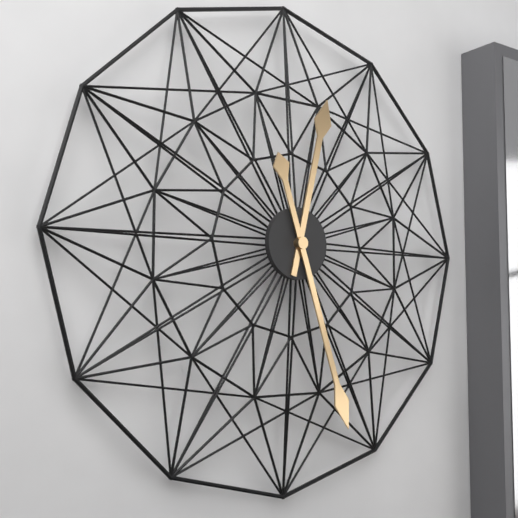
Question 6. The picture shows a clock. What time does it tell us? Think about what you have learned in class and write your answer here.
12:27
